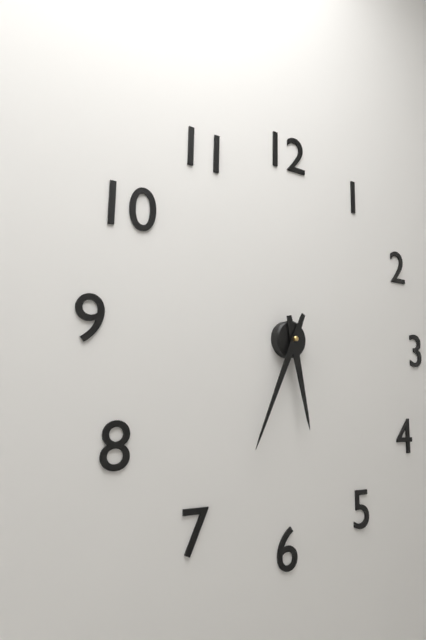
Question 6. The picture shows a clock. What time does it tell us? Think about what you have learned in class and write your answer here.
5:34
